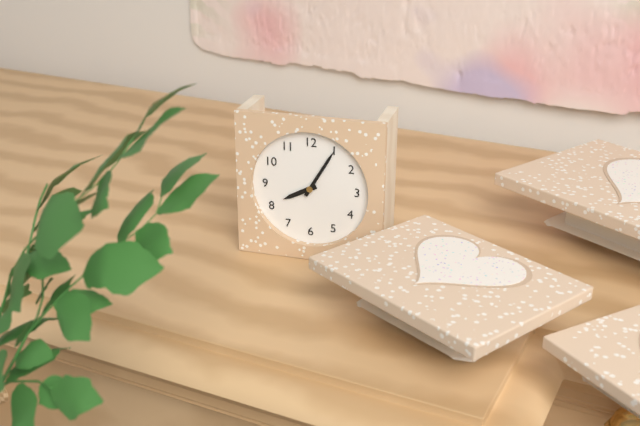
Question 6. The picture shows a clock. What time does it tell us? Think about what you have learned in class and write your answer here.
8:05
